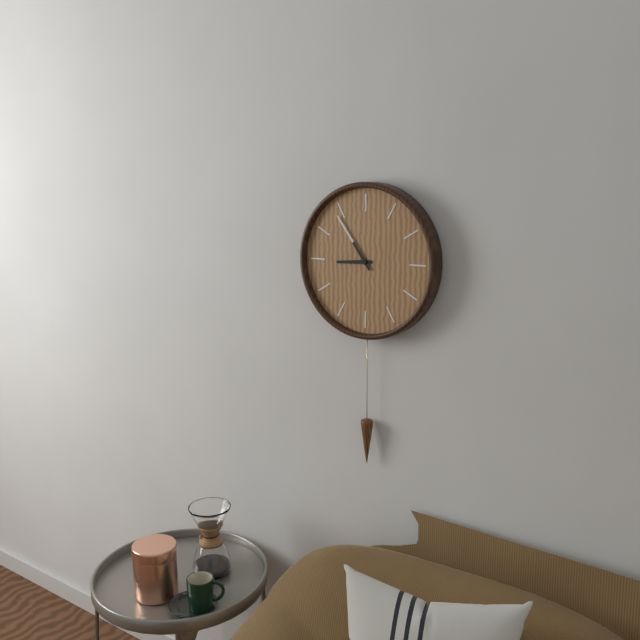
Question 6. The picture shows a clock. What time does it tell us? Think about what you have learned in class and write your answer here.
8:54
